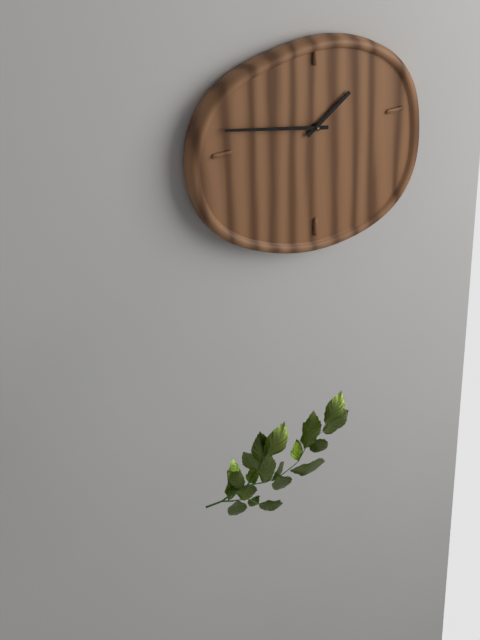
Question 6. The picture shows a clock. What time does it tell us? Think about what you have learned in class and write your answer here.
1:47
